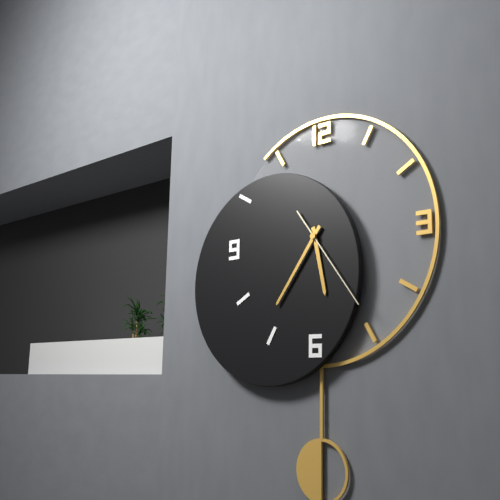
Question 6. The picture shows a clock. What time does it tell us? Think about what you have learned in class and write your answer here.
5:36:24
